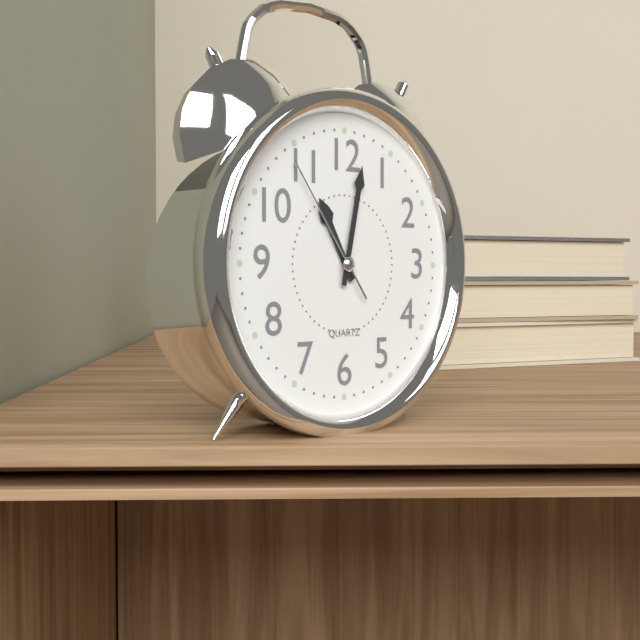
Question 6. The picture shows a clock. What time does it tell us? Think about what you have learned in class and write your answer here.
11:02:54
